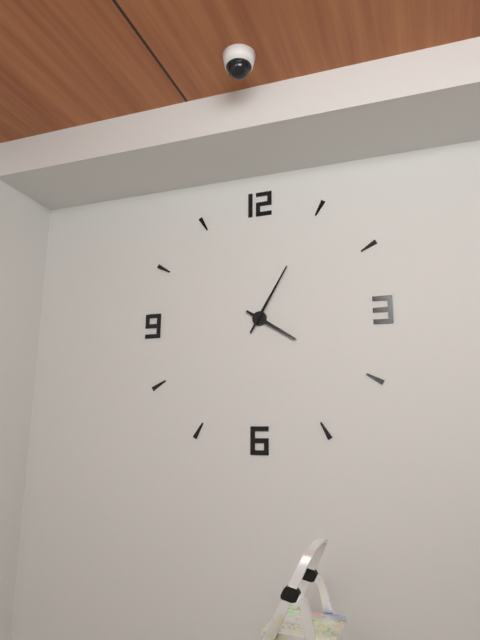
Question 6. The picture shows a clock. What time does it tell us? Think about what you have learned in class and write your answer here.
4:05
